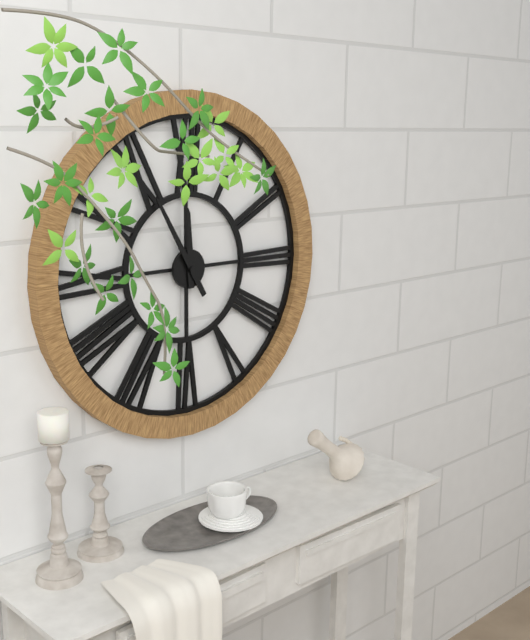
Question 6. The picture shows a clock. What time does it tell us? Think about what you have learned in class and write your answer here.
11:55
